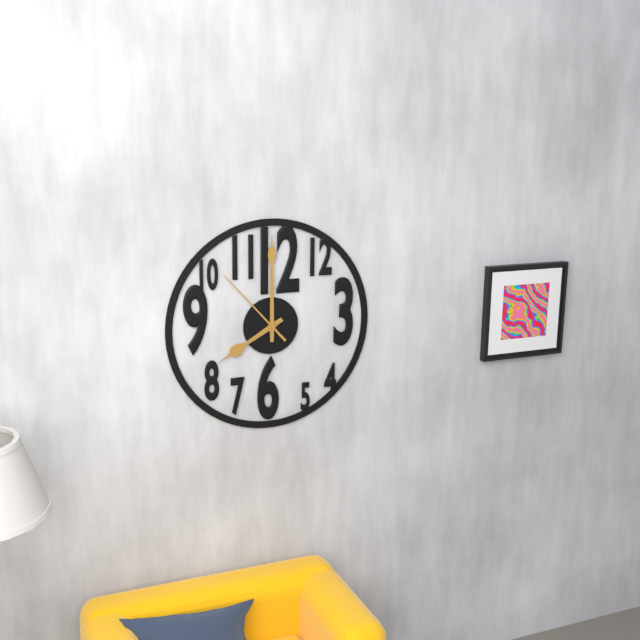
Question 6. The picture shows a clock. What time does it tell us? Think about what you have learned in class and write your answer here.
8:00:53
